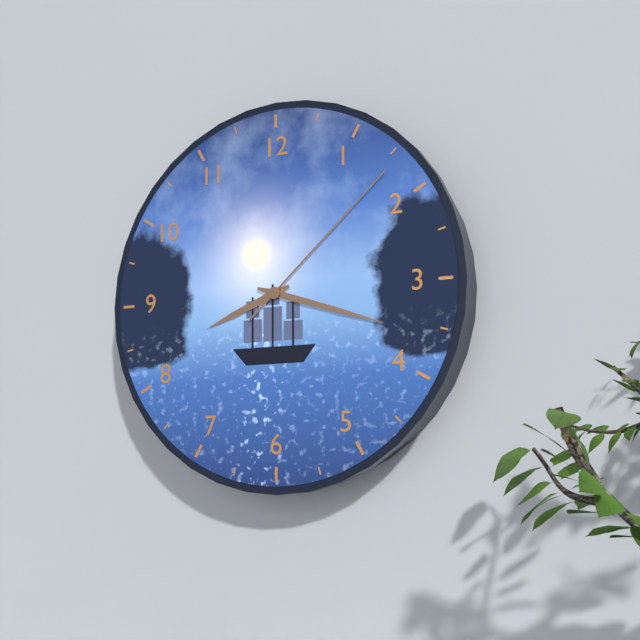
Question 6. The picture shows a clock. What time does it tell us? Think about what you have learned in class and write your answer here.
8:18:08
